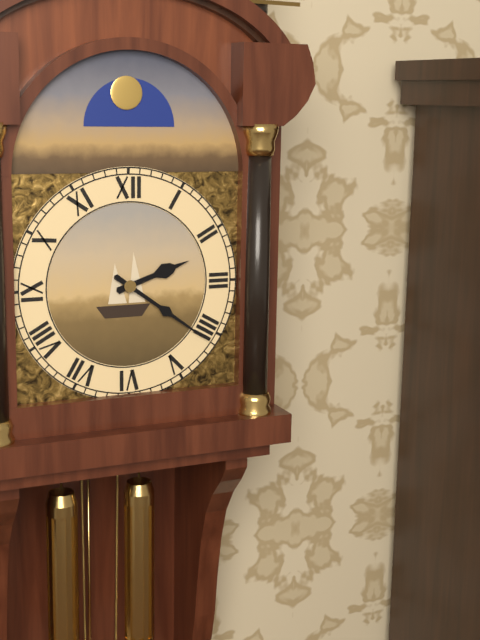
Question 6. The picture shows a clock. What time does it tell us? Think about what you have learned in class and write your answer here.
2:21
